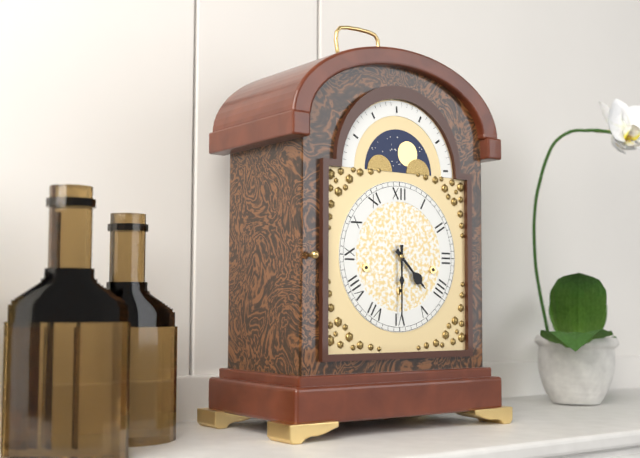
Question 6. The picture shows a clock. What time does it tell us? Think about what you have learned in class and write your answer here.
4:30
